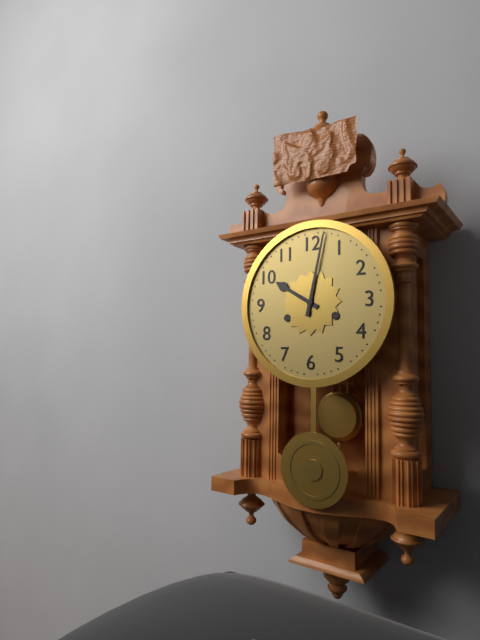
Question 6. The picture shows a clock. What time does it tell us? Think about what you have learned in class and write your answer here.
10:02
